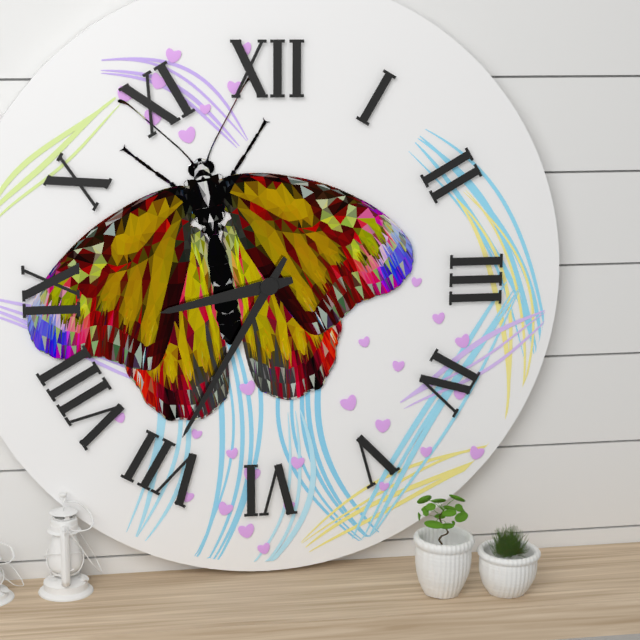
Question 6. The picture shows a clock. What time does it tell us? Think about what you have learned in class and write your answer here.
8:35
